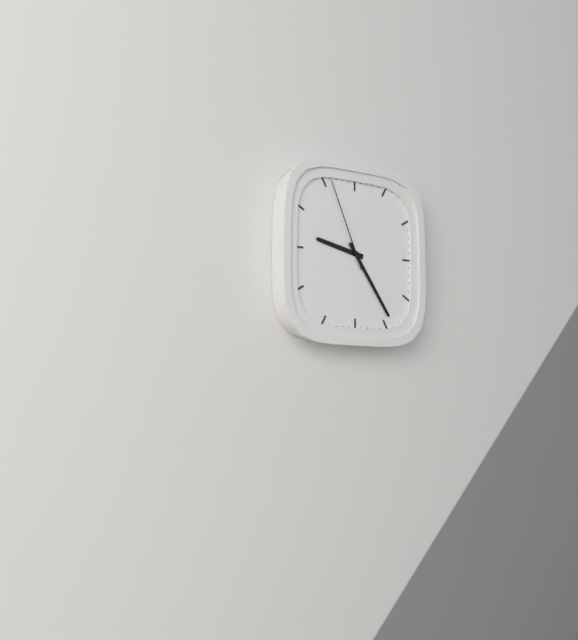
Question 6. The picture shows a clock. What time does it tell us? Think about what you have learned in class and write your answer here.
9:24:56
